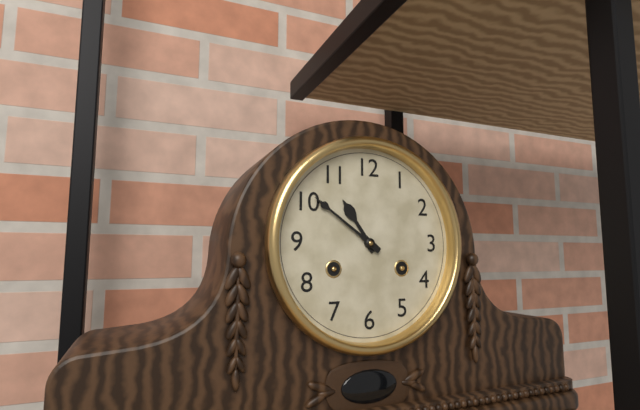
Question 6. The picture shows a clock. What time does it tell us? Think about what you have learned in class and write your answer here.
10:51
